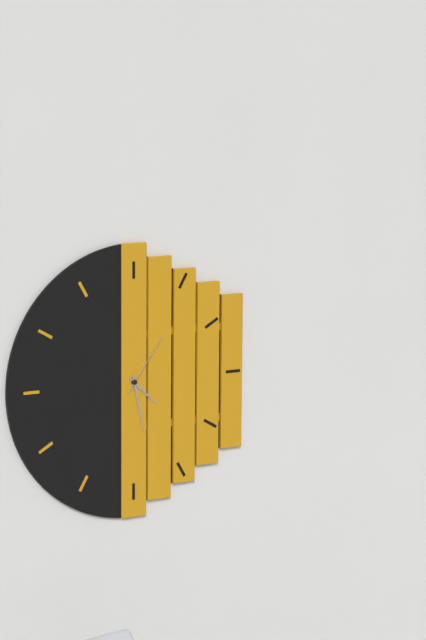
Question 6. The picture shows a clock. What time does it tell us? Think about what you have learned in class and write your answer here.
4:28:06
